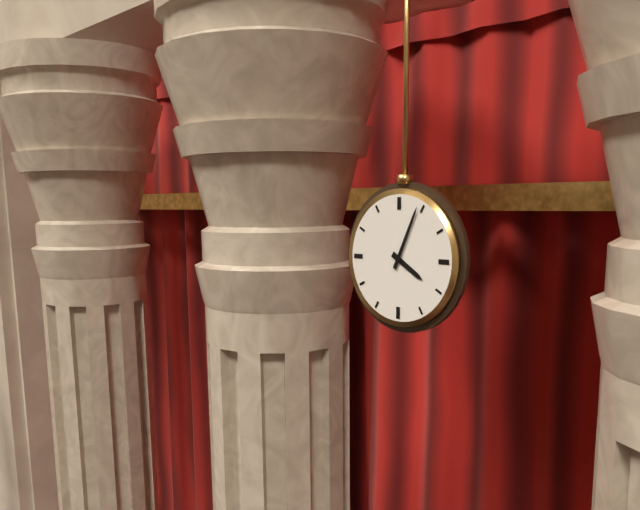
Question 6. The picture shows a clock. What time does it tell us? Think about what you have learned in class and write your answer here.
4:04
